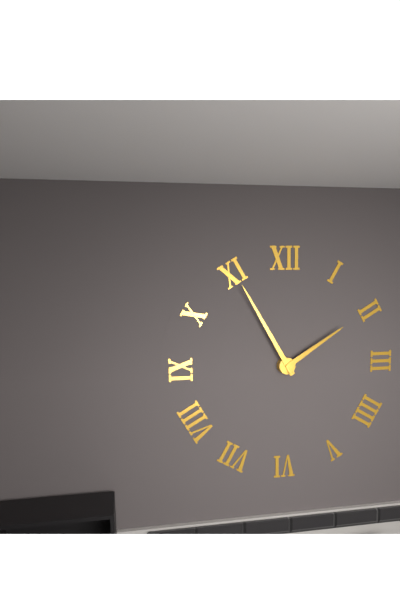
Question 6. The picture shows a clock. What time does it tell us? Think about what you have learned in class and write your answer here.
1:55
